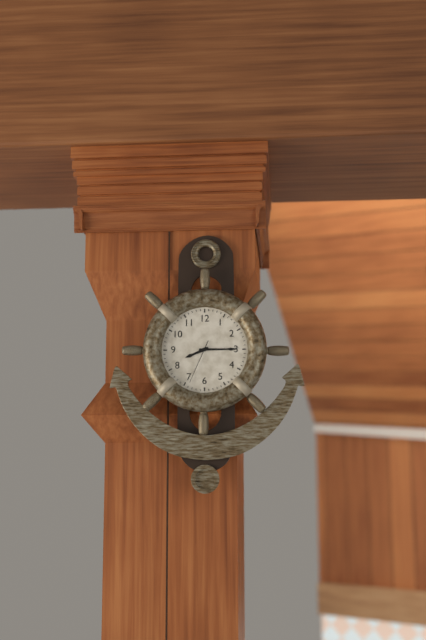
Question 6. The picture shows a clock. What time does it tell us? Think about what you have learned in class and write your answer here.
8:15
